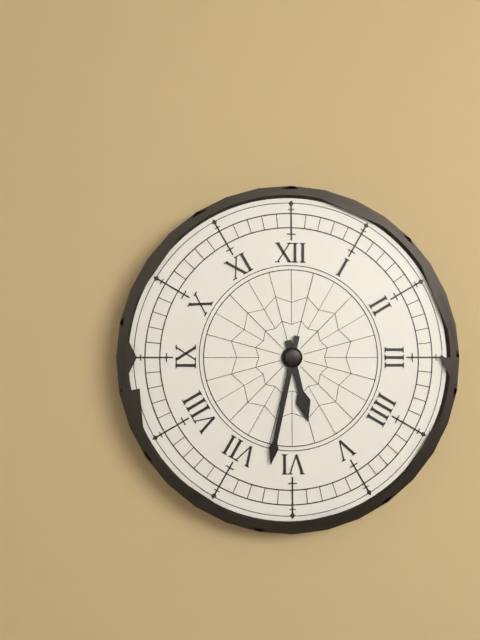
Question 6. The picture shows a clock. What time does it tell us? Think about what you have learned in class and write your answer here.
5:32
